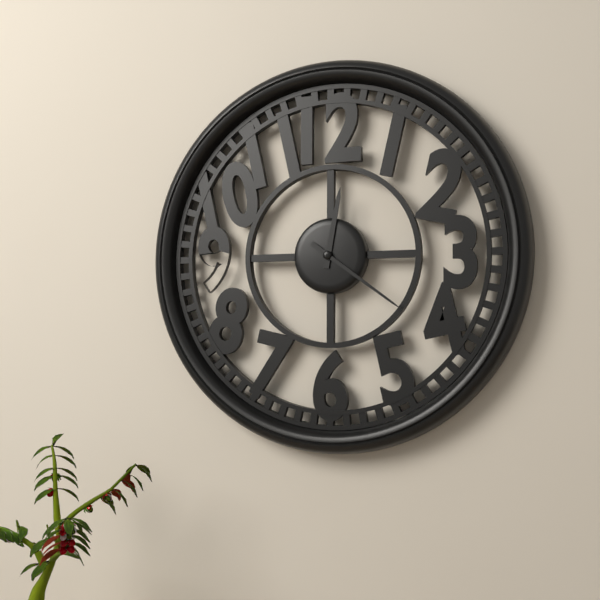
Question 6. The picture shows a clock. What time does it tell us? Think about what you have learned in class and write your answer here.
12:21
